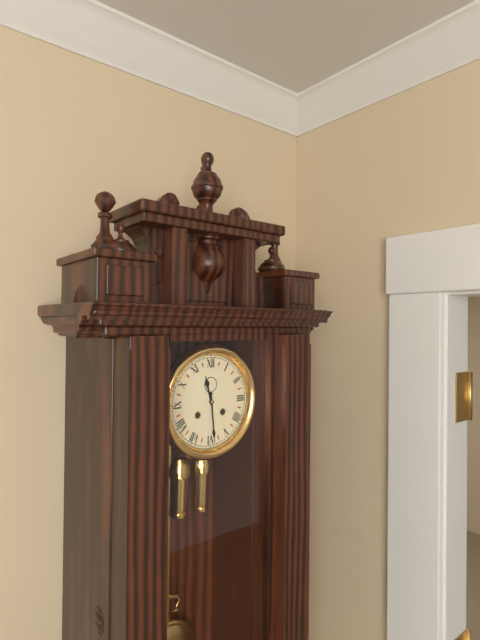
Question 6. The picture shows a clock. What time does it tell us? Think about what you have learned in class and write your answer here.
11:29
